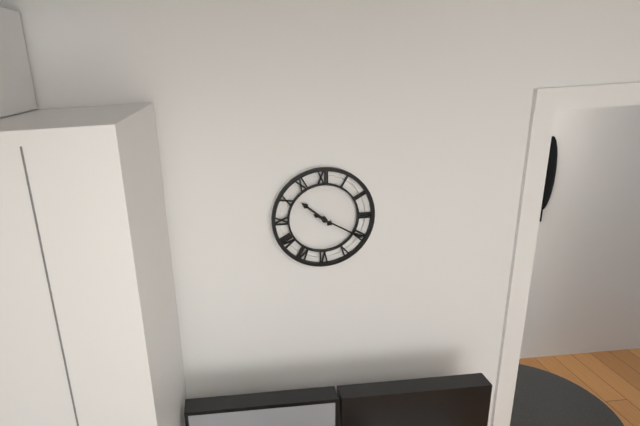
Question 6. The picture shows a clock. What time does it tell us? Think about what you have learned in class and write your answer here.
10:20
